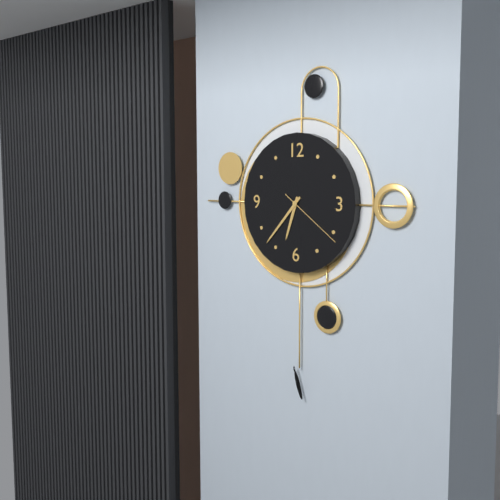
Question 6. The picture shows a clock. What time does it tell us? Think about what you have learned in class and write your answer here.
6:37:21
